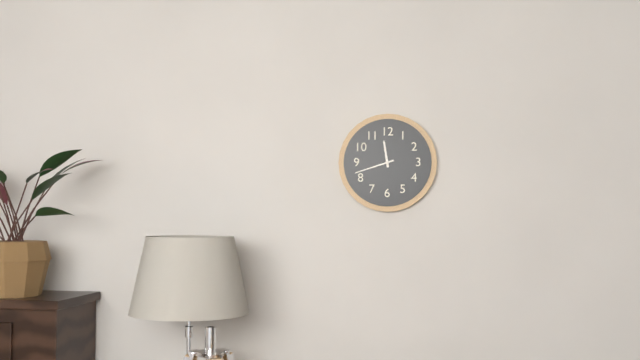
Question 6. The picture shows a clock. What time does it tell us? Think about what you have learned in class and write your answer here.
11:42
